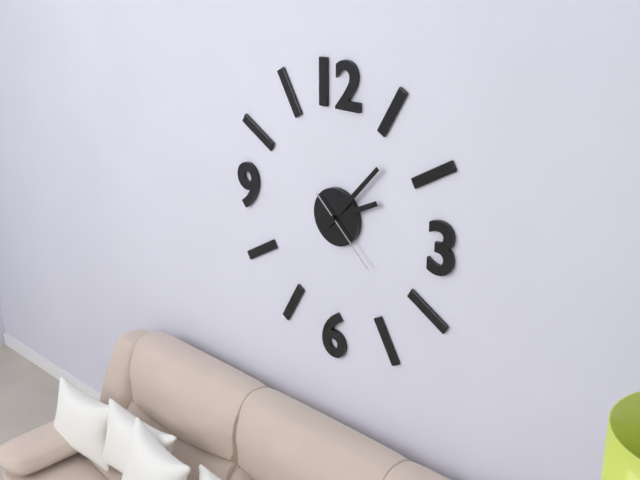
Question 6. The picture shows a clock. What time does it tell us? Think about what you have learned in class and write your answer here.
2:07:22
